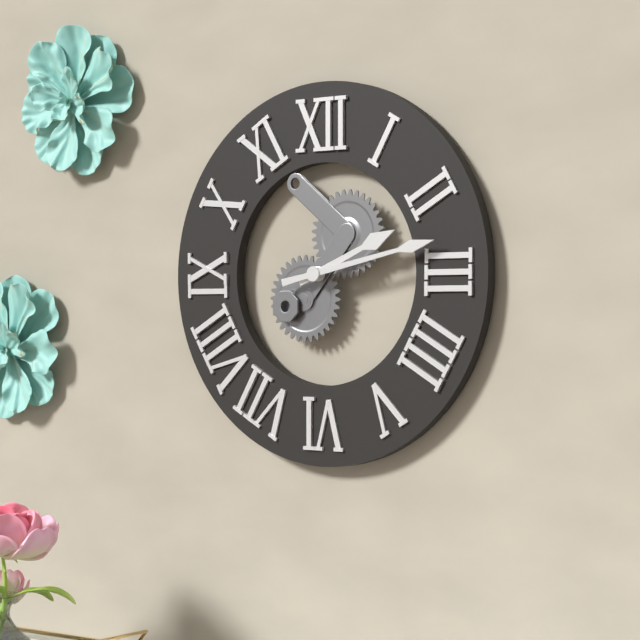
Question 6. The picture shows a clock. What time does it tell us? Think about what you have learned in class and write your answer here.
2:13
